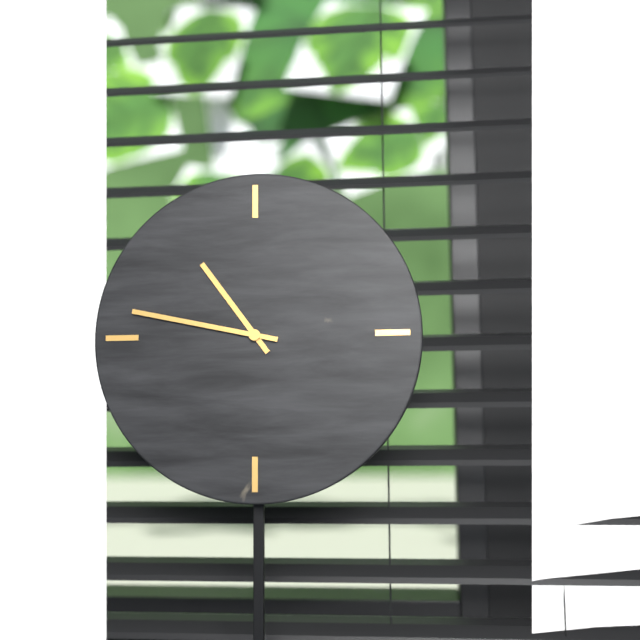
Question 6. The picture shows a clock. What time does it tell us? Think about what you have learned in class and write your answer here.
10:47
